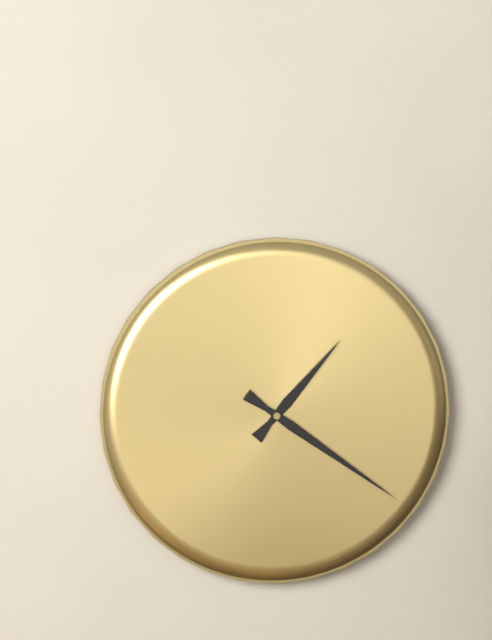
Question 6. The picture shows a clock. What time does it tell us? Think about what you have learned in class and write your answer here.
1:21
